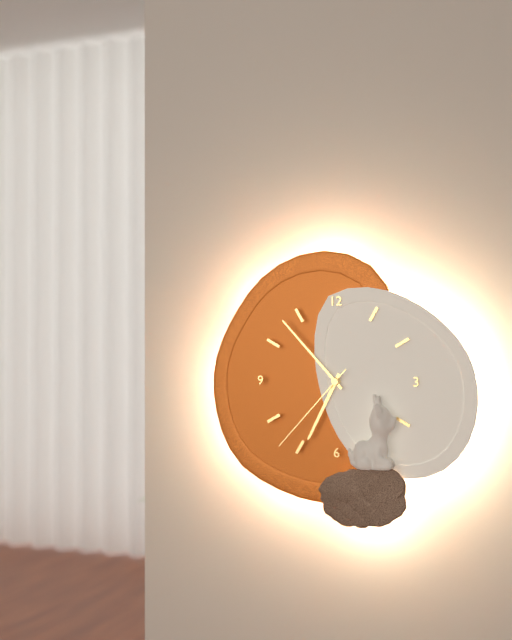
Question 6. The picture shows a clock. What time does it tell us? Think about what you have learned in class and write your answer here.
6:53:37
